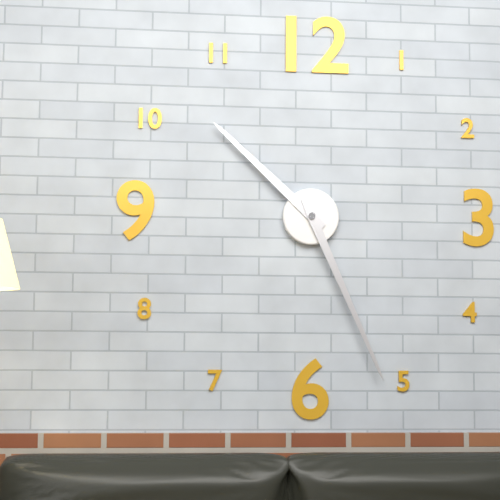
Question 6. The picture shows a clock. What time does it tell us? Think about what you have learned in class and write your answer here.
10:26
